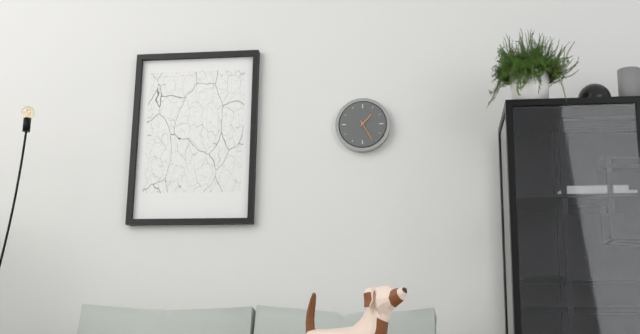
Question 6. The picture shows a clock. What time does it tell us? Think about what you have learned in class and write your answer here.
1:25
